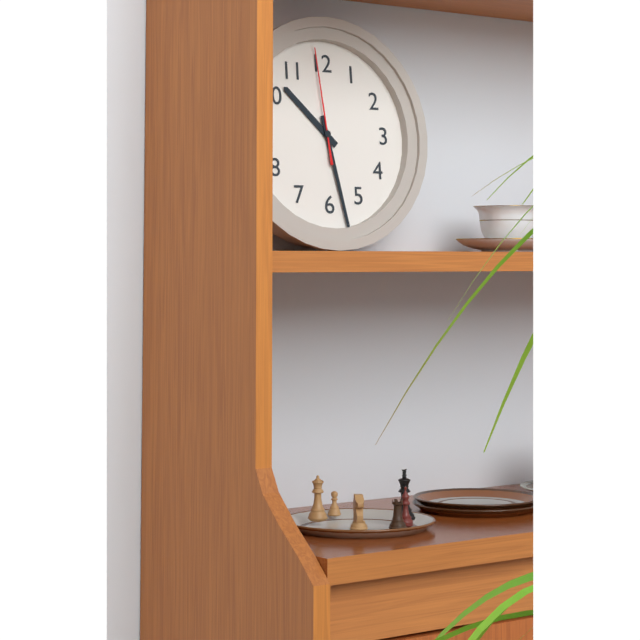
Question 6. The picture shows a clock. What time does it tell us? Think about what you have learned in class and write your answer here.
10:28:59
